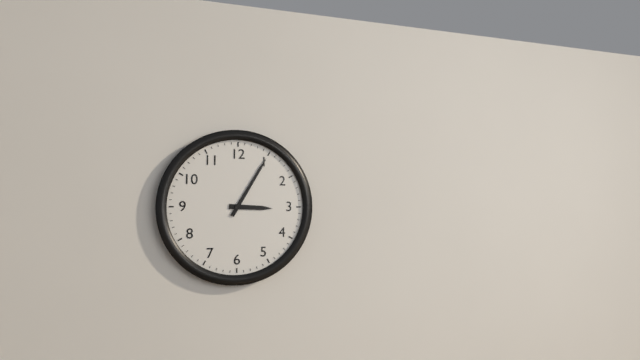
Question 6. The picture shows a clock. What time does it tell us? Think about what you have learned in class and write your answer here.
3:05
